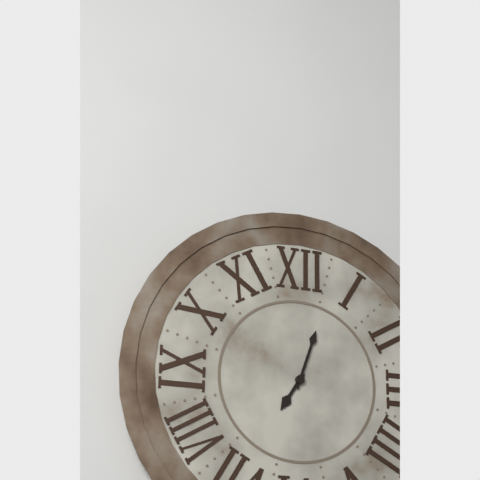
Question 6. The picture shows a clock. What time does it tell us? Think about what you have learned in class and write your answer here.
7:03
